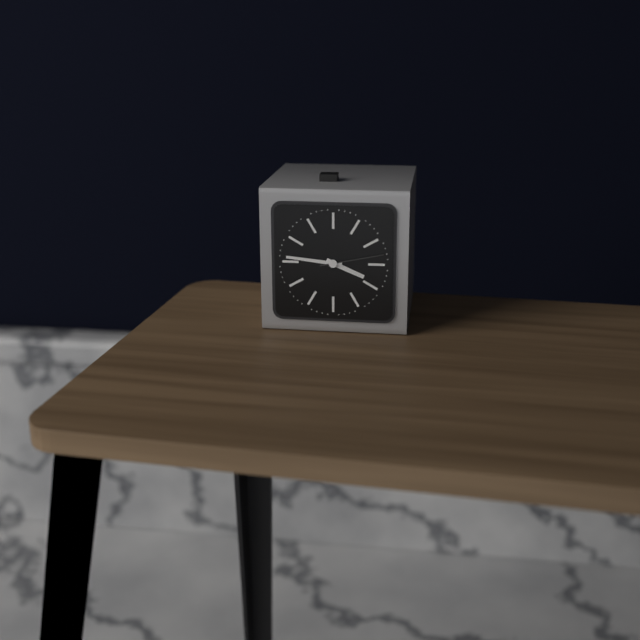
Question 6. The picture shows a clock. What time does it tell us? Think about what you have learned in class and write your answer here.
3:46:13
